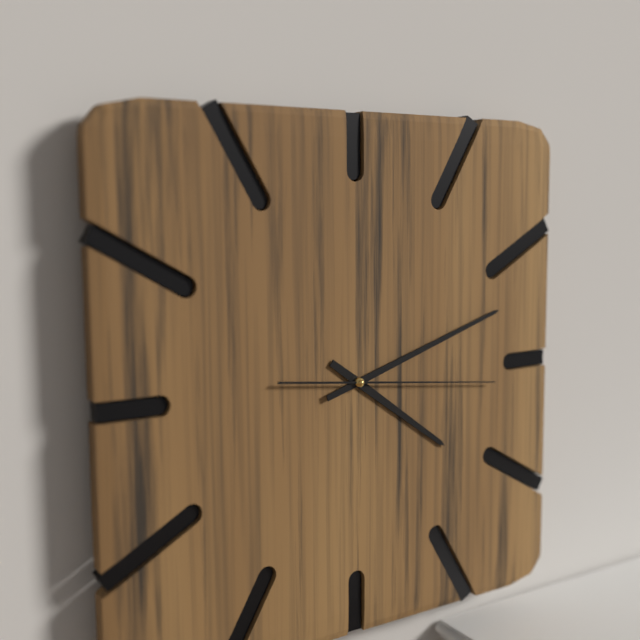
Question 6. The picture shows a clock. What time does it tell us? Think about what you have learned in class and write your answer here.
4:12:16
